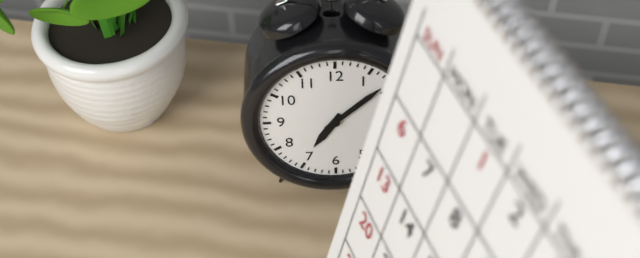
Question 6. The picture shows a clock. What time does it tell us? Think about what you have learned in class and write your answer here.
7:08
